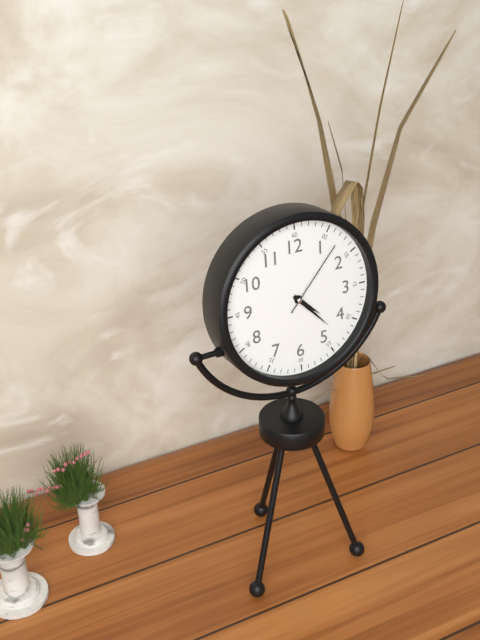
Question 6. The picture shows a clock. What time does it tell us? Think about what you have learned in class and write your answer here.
4:23:07
